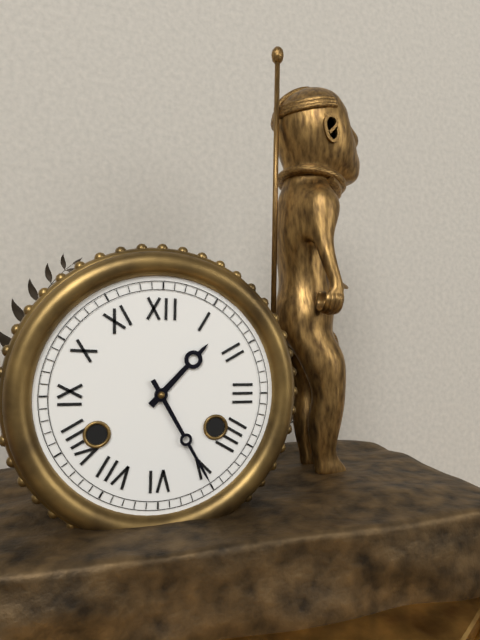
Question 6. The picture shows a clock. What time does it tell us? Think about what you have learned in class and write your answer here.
1:25
